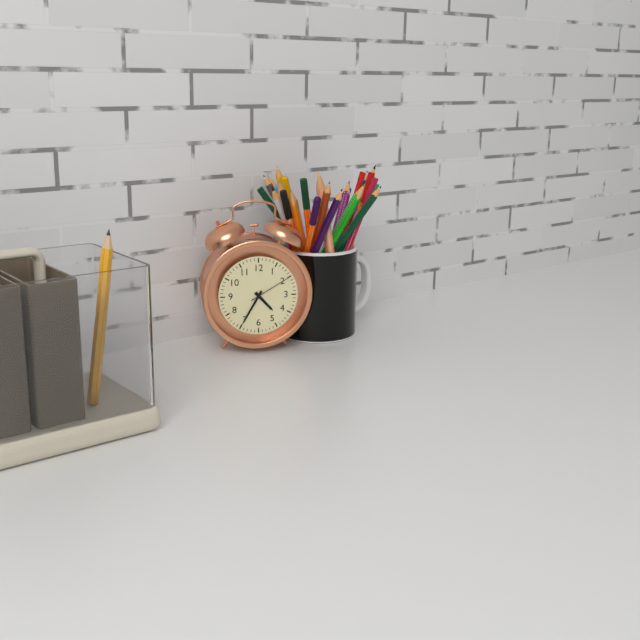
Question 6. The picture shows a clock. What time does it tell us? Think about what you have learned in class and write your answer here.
4:35
